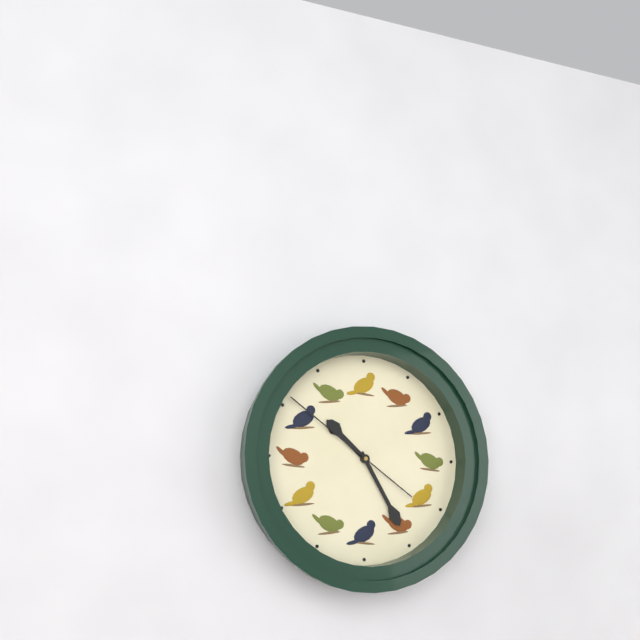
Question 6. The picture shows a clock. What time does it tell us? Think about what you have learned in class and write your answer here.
10:25:51
